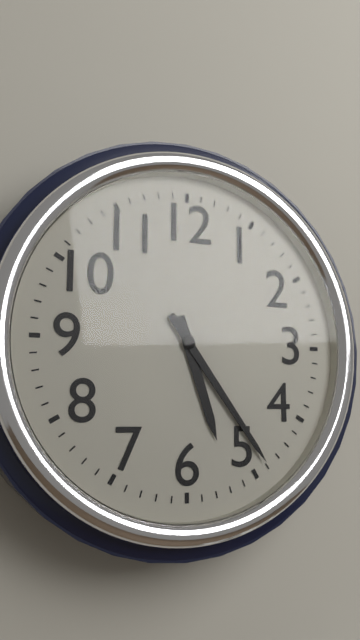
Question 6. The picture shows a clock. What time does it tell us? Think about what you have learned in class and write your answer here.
5:24
